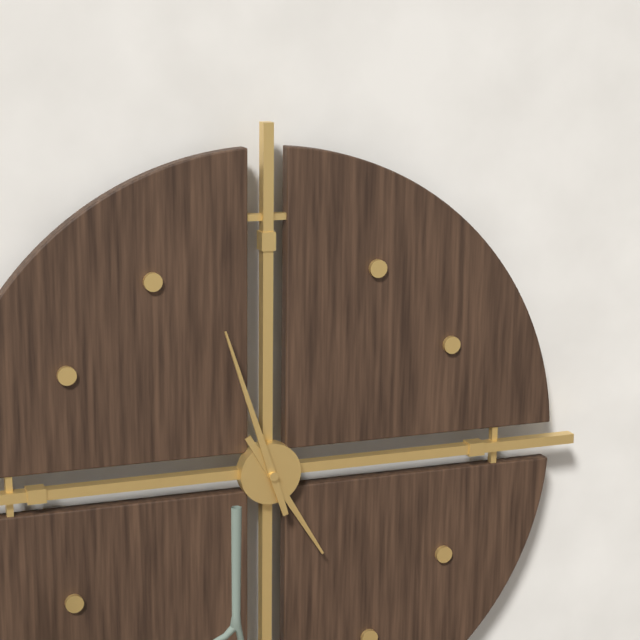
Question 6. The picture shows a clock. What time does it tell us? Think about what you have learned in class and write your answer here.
4:57
